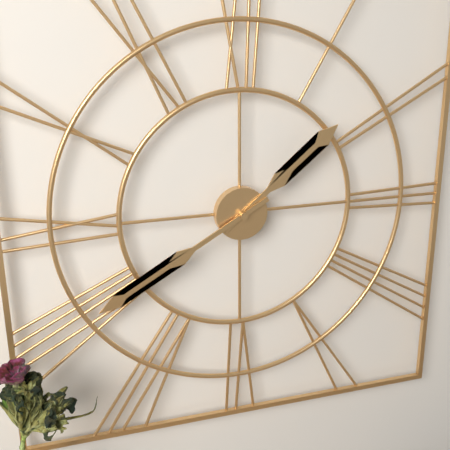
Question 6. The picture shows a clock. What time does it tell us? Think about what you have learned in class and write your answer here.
1:40
